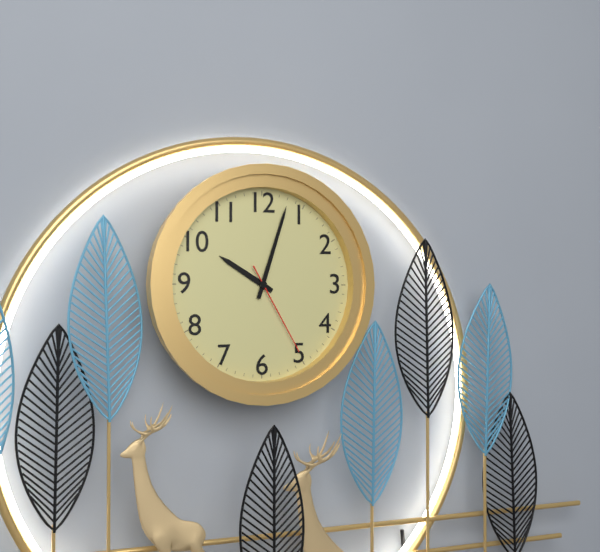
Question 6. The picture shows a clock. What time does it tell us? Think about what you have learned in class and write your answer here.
10:03:25
